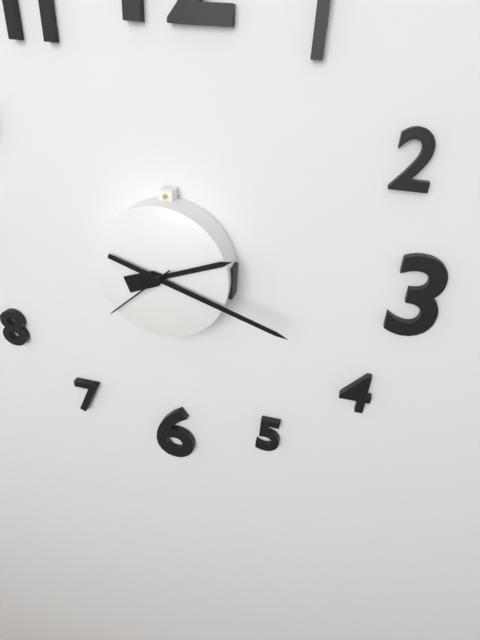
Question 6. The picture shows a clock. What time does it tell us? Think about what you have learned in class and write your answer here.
2:18:38
